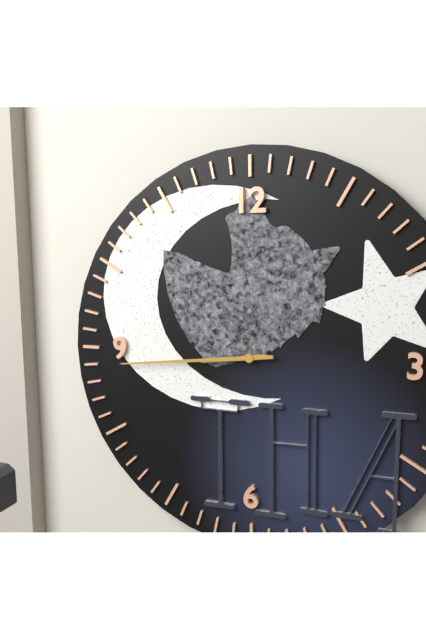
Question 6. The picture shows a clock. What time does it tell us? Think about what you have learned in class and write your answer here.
8:44
